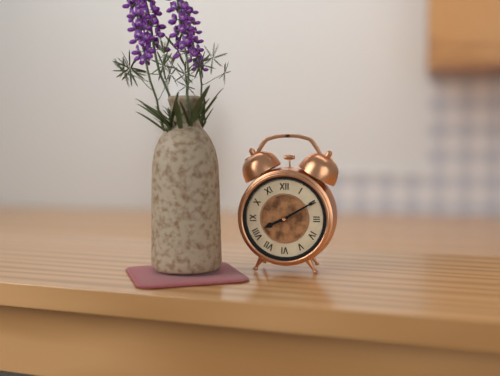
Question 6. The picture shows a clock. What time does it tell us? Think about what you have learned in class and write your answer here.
8:10
